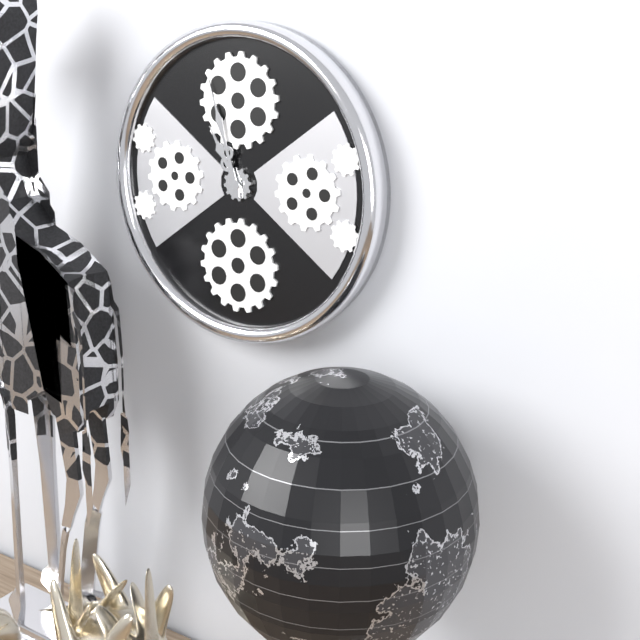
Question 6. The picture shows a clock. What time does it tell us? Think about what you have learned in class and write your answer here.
10:57
